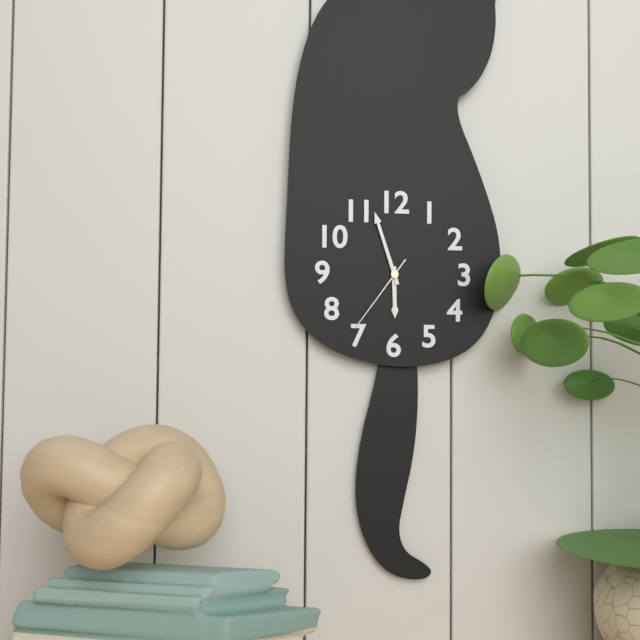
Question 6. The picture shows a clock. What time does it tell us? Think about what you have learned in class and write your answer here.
5:57:36
